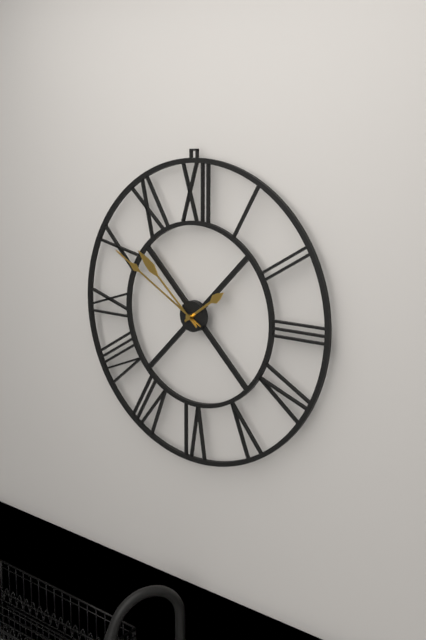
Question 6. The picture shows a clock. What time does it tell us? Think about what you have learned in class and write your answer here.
1:50:52
